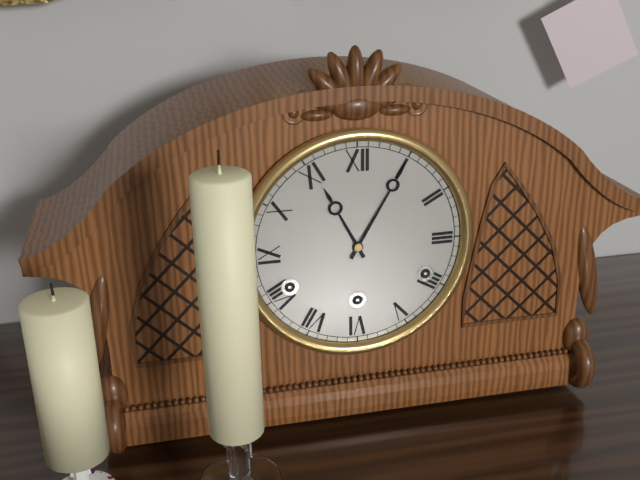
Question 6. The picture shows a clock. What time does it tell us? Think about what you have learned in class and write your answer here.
11:05
